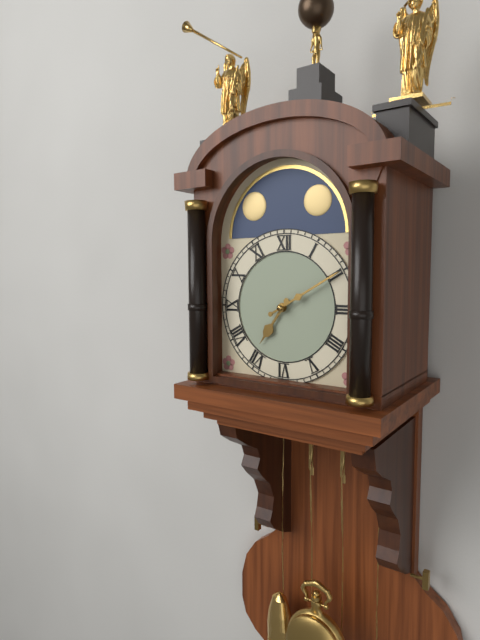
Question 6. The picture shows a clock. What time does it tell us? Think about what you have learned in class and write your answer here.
7:10
